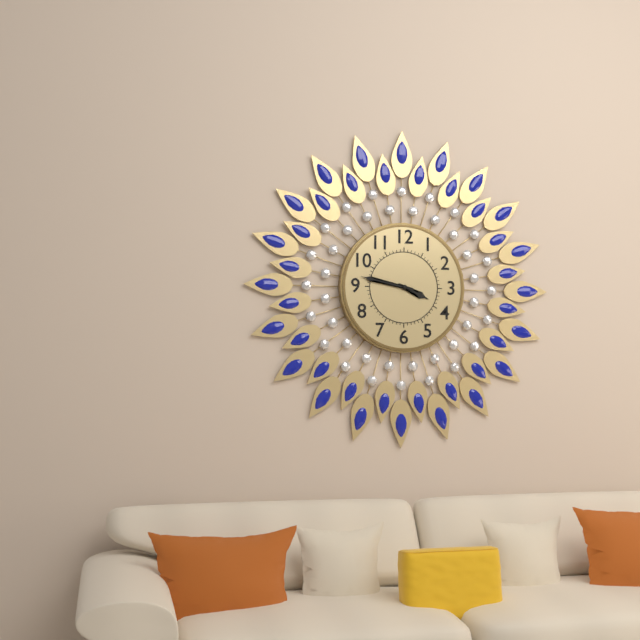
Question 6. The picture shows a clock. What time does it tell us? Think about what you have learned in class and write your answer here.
3:47
